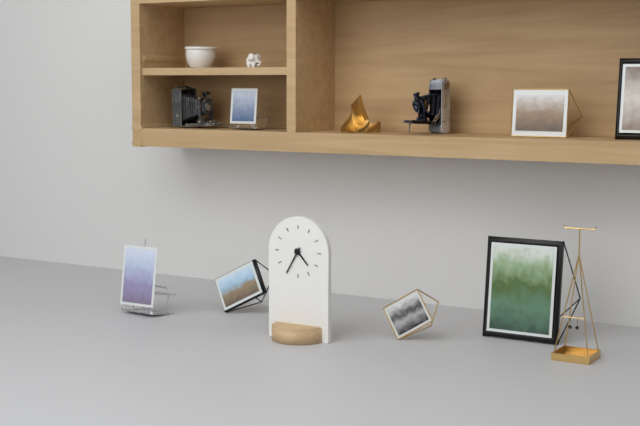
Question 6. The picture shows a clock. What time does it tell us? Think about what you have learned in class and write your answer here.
4:35
